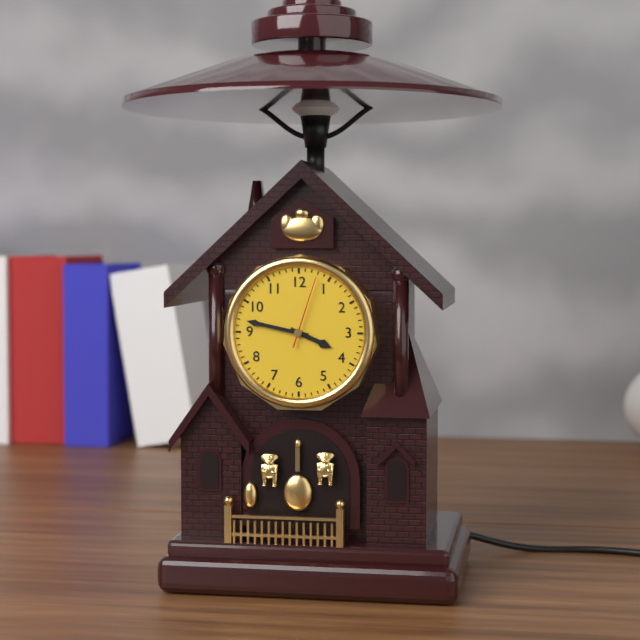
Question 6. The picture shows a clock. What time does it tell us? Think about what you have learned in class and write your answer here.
3:47:03
